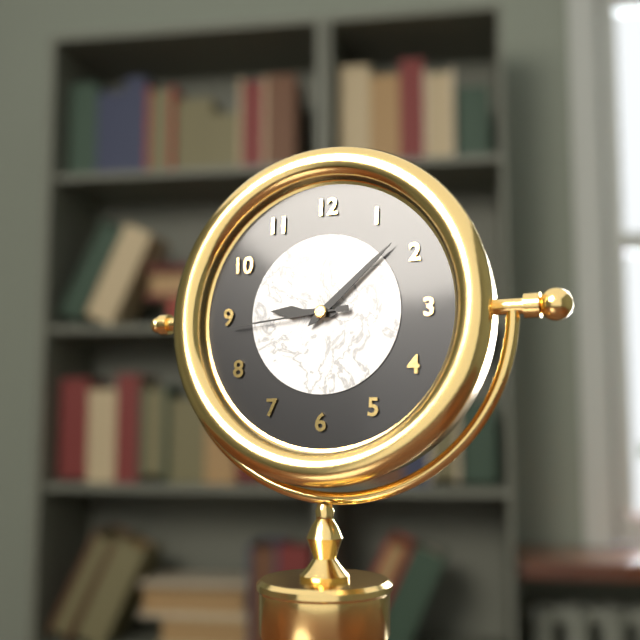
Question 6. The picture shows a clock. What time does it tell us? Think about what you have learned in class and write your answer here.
9:08:44
